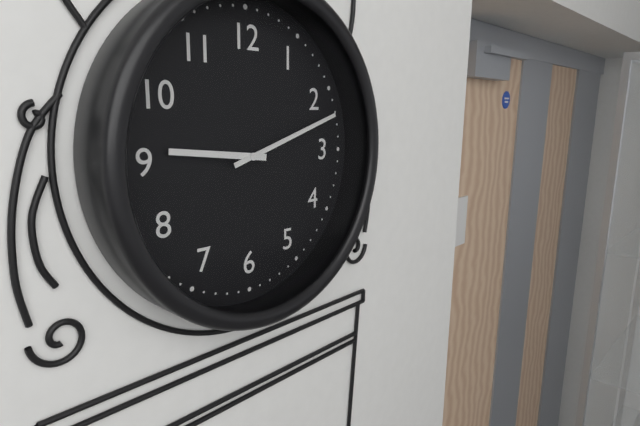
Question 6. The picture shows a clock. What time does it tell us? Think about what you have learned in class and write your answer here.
9:12
